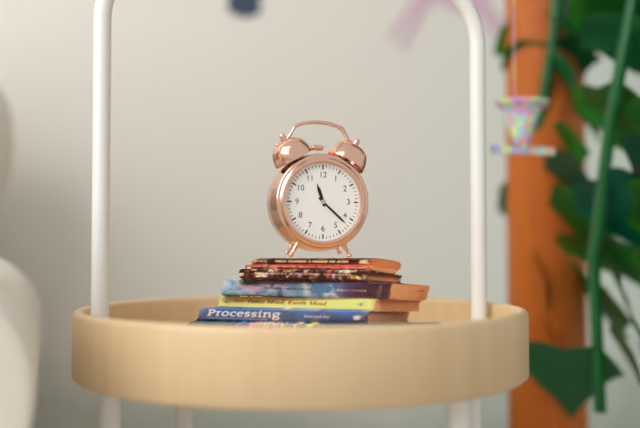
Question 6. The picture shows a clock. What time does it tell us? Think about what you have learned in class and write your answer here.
11:22
